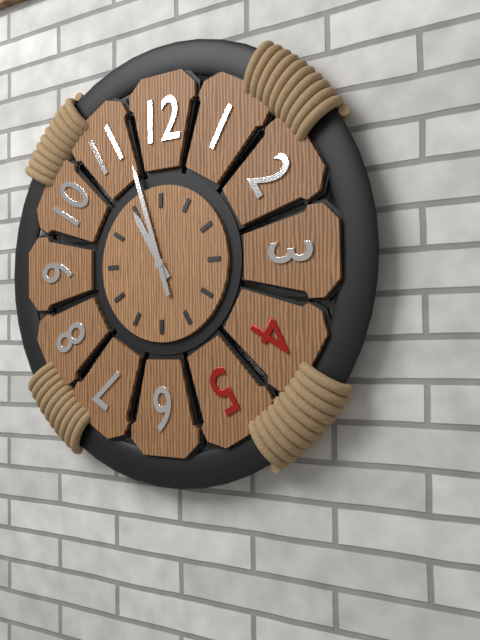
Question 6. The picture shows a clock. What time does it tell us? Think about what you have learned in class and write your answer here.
10:57
